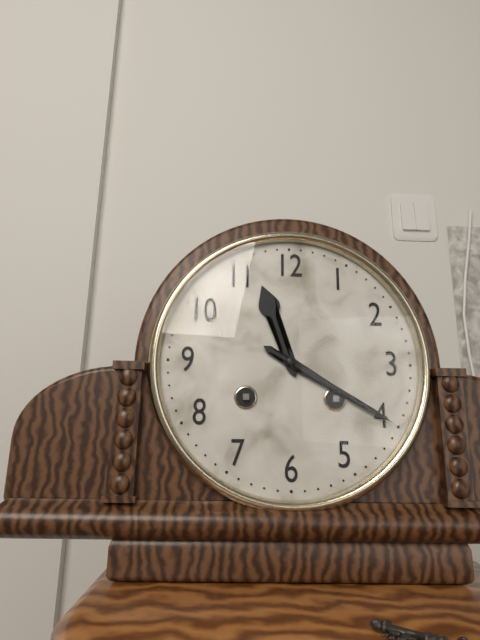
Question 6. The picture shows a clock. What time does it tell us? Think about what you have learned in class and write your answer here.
11:20
